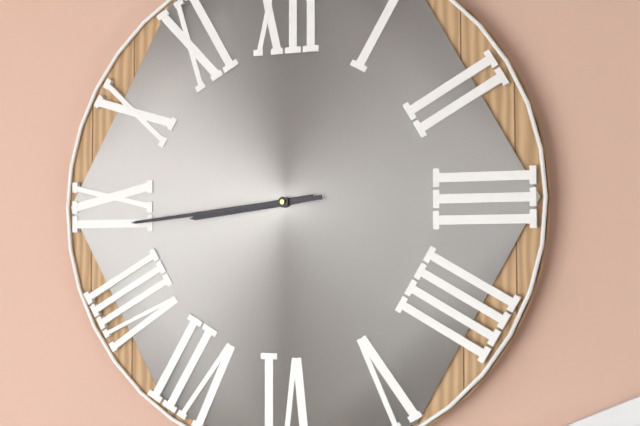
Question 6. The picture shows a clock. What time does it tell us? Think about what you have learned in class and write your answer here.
8:44
